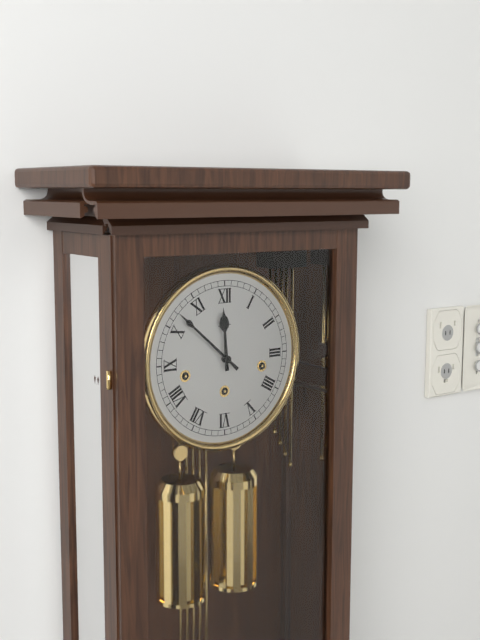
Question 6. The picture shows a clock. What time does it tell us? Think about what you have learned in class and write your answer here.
11:52
